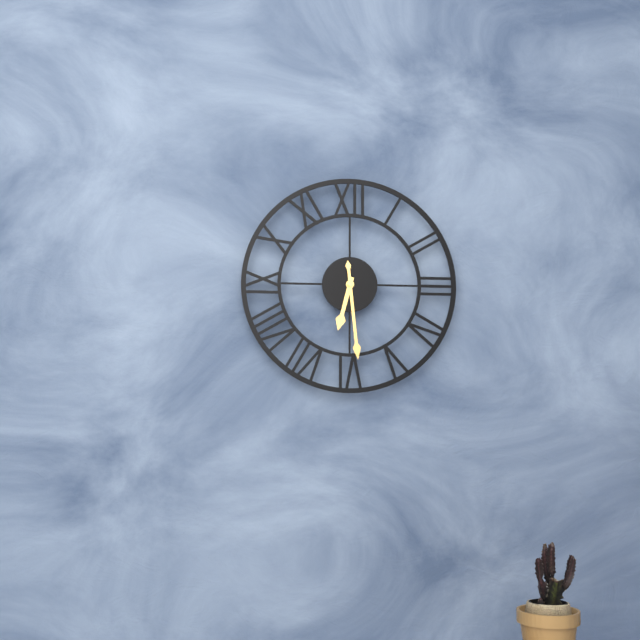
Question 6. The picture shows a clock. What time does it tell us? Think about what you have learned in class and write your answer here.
6:29
